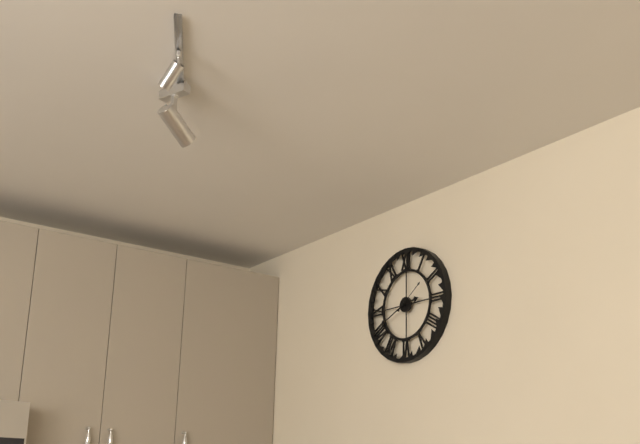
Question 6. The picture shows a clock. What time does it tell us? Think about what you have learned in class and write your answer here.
2:41
